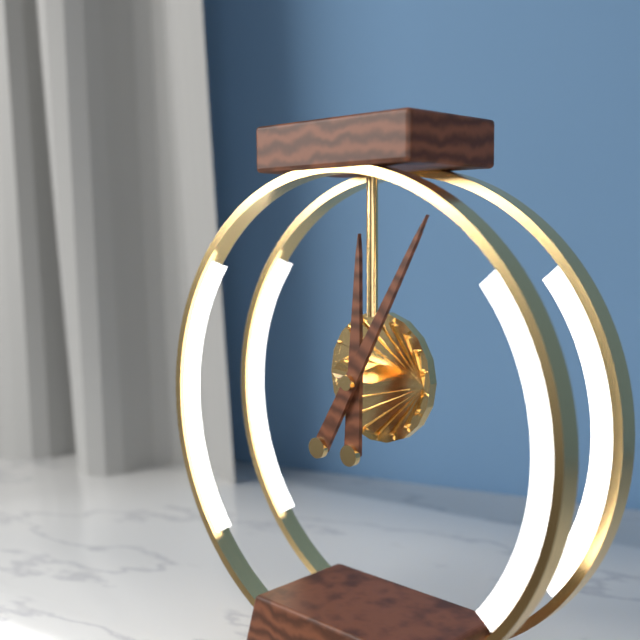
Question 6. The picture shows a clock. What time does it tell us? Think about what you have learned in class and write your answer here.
12:05
